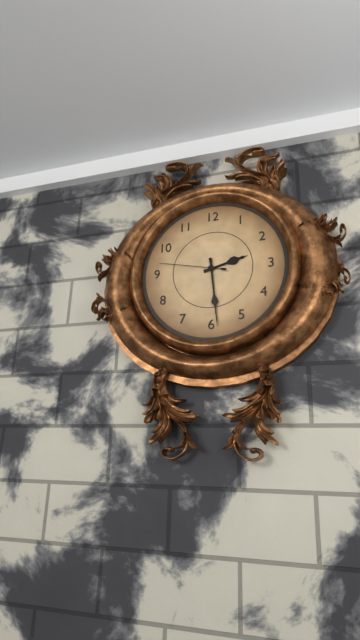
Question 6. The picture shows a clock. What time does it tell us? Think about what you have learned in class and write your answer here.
2:29:47
